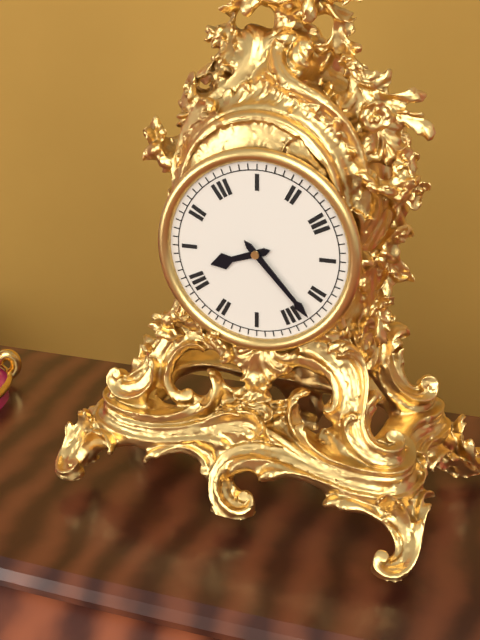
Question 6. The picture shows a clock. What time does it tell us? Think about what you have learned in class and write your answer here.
8:23
